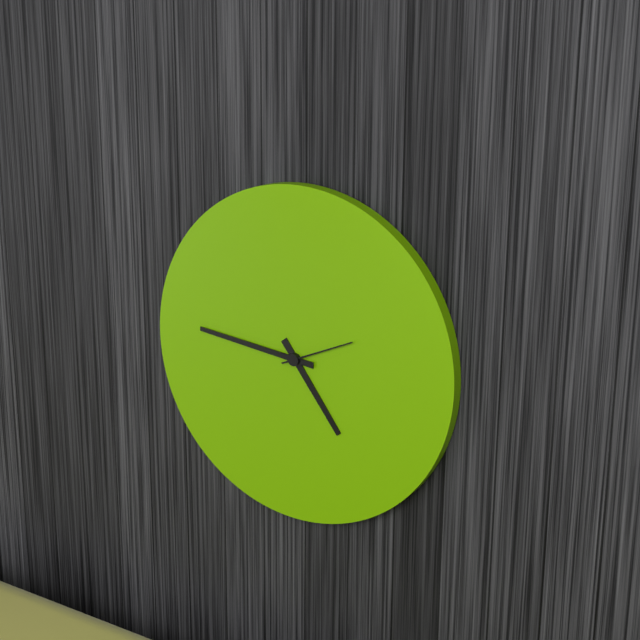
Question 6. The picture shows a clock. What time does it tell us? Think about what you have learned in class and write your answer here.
4:46:11
